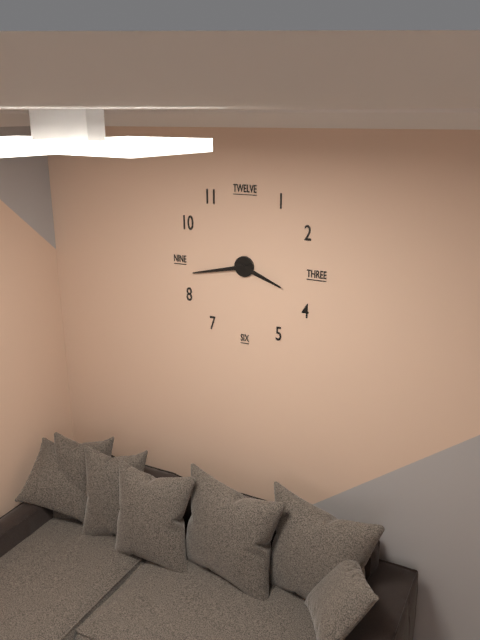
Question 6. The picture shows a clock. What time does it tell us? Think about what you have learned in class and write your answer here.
3:43
